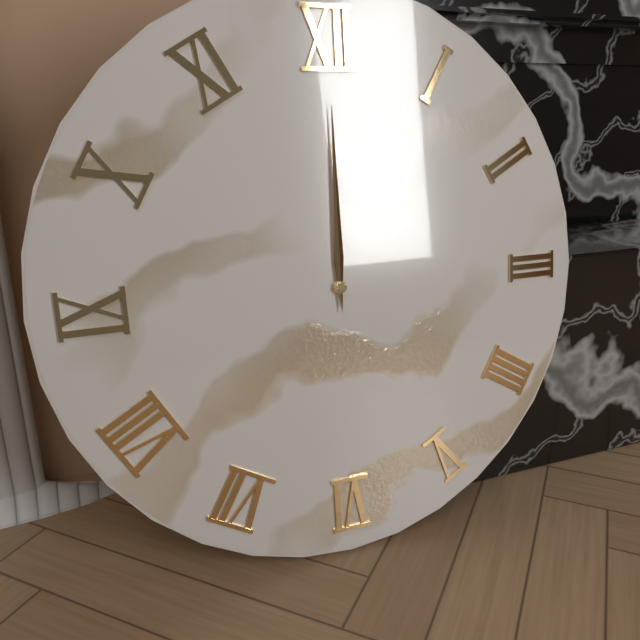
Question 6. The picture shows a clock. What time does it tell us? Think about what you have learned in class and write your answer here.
12:00
